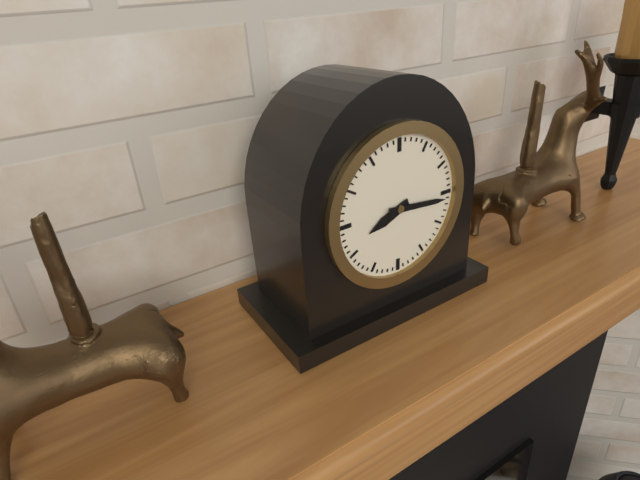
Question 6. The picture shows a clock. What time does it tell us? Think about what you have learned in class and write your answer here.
8:16
